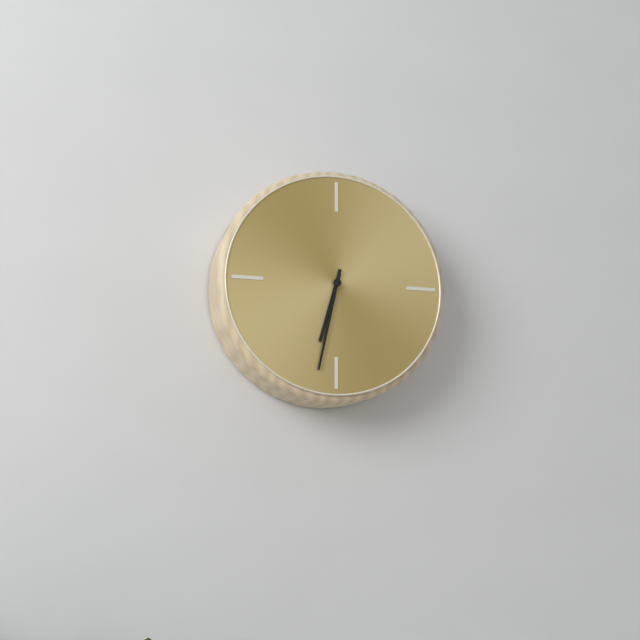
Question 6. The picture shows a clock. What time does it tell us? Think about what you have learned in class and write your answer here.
6:32
